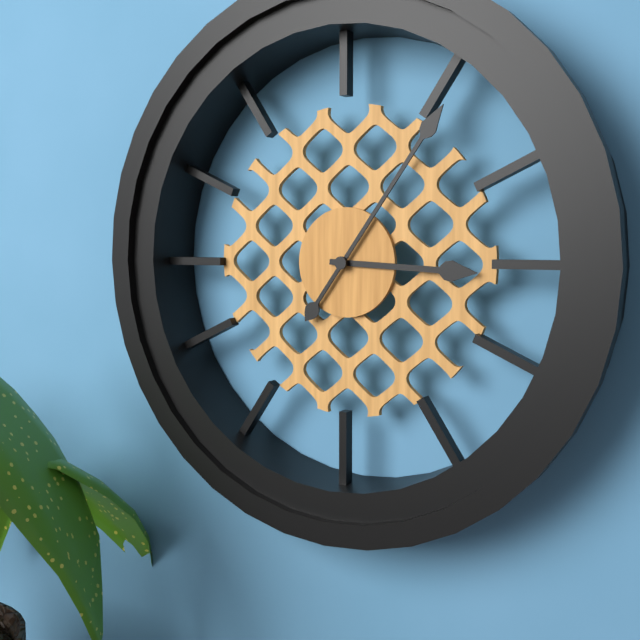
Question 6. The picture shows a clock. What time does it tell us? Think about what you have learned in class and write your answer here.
3:06
